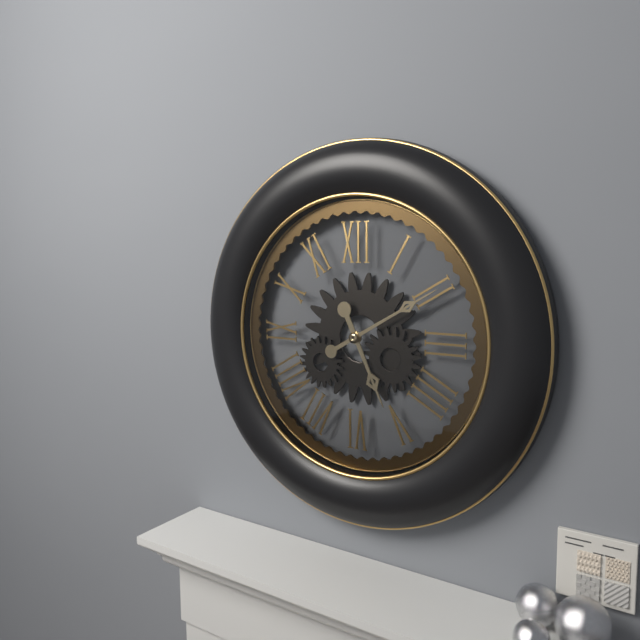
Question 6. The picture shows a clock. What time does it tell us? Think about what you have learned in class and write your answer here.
5:10
